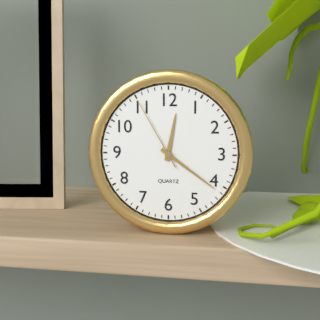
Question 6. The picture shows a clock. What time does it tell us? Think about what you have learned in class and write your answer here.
12:21:55
